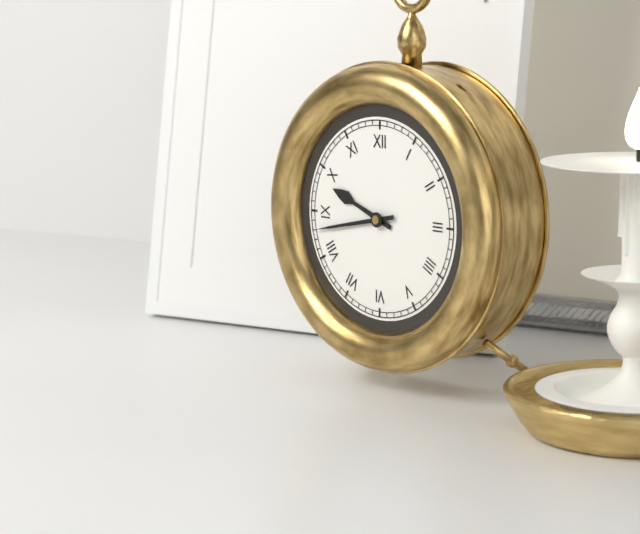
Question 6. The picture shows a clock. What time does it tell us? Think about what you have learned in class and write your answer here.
9:43
